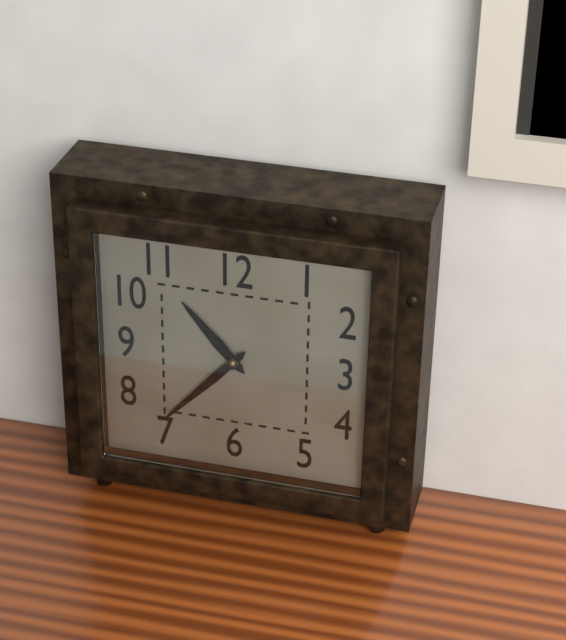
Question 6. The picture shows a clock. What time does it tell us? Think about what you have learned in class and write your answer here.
10:37
